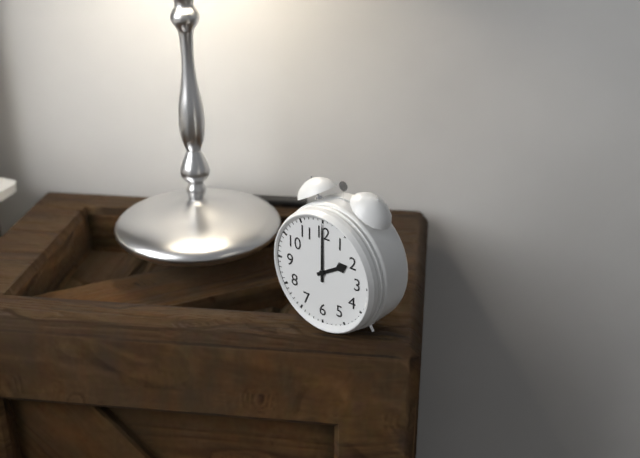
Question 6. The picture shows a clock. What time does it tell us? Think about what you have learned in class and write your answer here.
2:00
